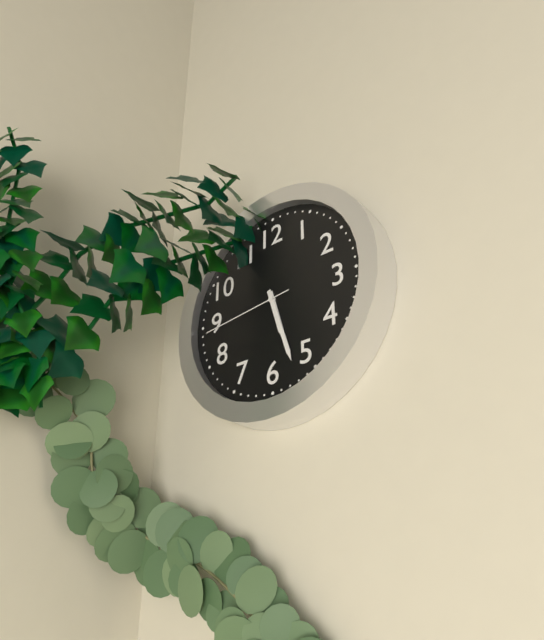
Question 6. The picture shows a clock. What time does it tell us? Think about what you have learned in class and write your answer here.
5:27:44
